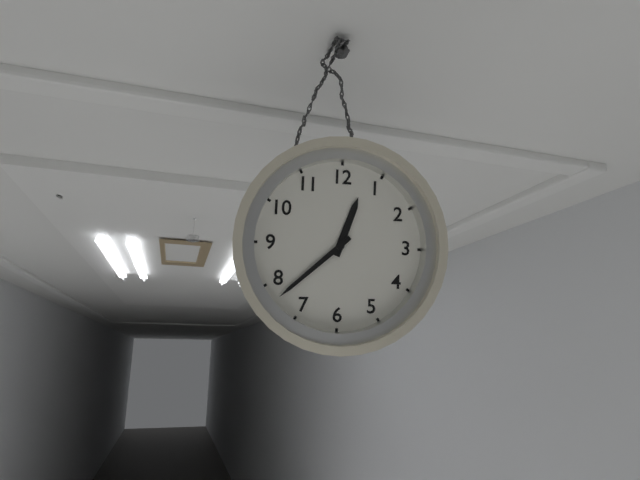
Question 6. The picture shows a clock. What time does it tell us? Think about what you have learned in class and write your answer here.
12:38
